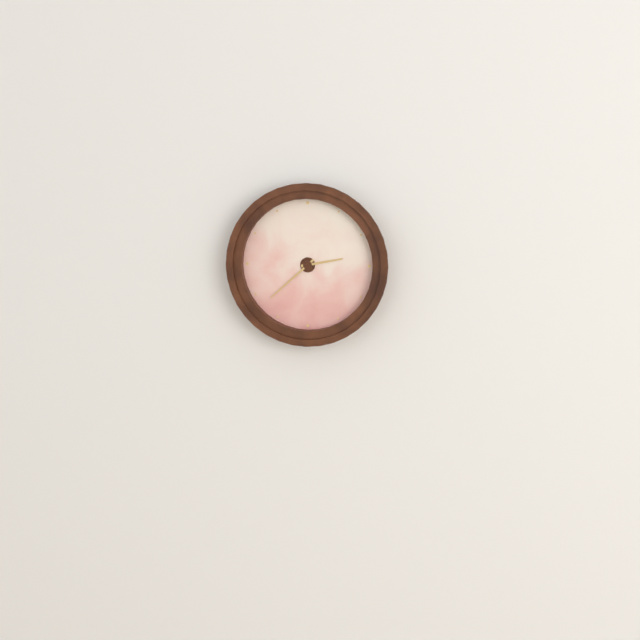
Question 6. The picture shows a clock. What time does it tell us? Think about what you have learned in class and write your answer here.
2:38
